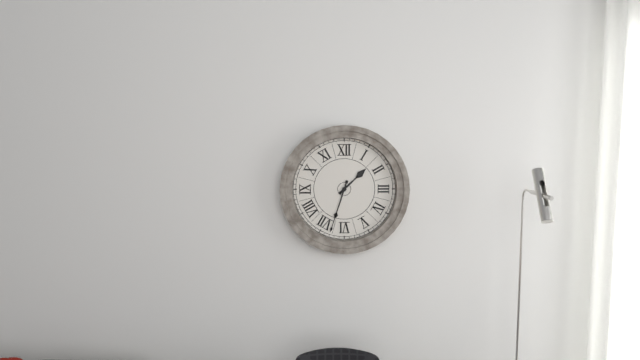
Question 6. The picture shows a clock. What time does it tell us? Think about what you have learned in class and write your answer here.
1:33
